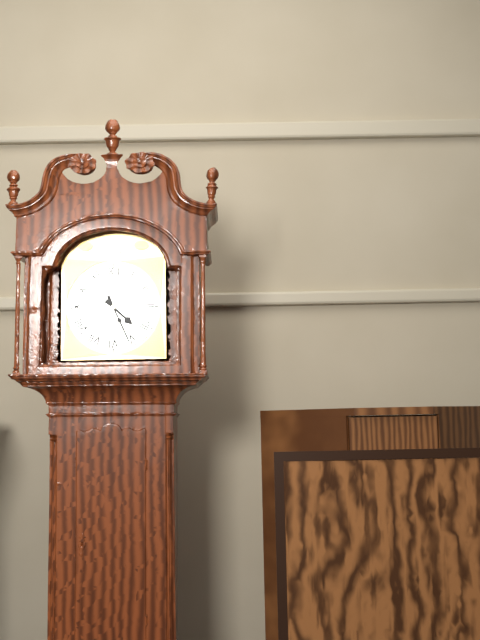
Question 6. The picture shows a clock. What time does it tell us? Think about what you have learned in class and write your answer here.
4:26
